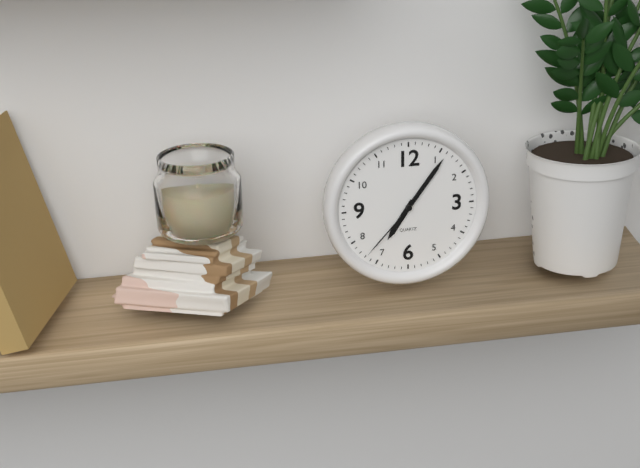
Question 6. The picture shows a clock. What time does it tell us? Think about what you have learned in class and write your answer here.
7:06:37
